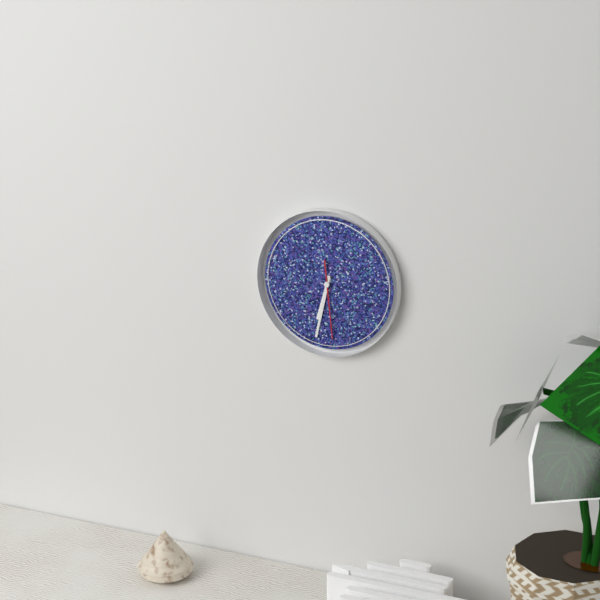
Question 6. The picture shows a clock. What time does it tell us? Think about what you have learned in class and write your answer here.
6:32:29
